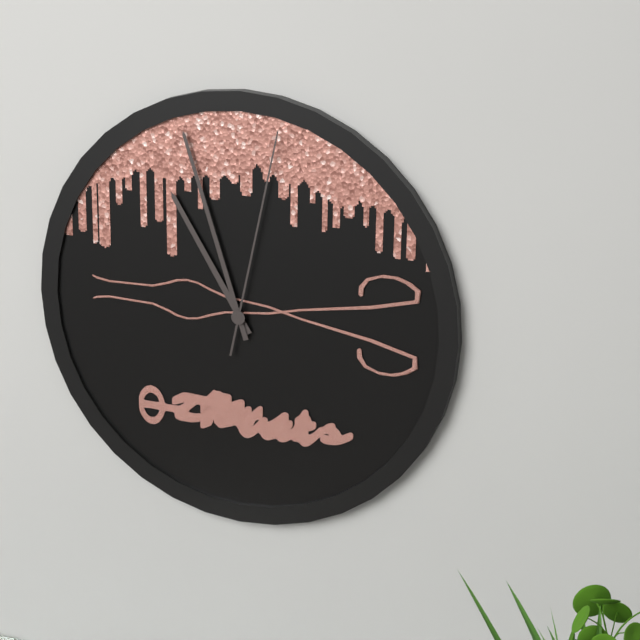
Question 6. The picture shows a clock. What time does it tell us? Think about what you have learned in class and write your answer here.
10:57:02
